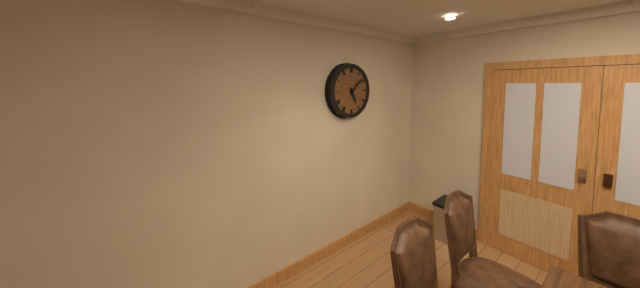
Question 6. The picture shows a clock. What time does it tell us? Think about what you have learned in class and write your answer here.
5:08
